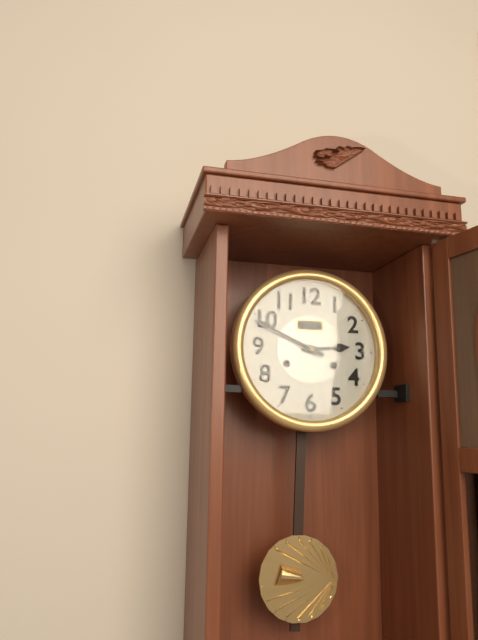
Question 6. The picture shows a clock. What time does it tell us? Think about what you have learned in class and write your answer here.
2:49
